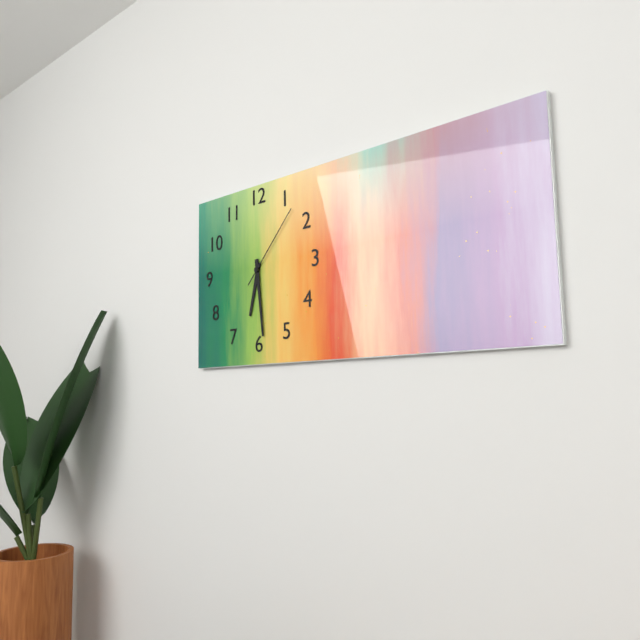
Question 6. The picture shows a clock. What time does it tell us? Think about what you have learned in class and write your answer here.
6:29:07
